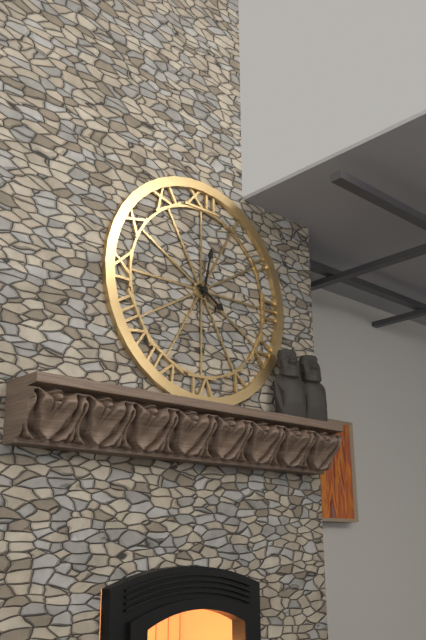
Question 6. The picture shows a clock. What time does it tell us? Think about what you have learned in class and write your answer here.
4:02
